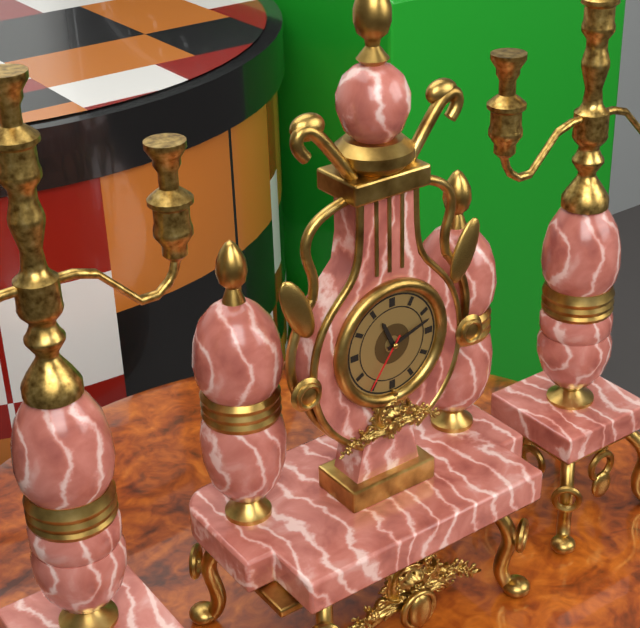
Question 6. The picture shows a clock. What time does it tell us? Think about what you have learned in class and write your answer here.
11:12:36
